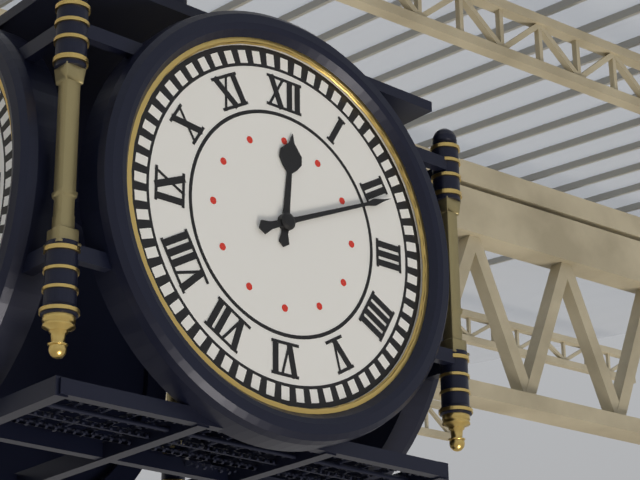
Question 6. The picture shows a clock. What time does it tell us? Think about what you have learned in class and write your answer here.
12:11
